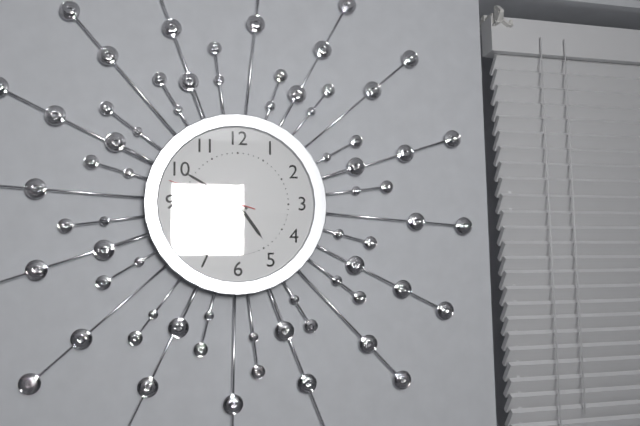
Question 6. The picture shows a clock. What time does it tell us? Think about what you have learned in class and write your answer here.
4:50:48
